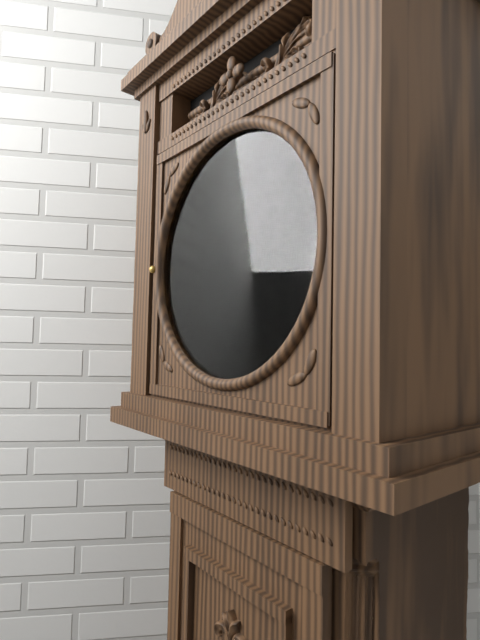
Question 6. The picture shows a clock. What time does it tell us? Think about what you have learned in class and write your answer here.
3:19
